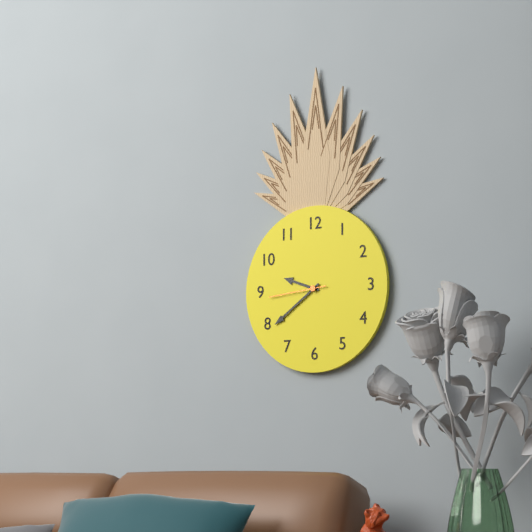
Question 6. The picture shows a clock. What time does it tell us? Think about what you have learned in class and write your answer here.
9:39:44
